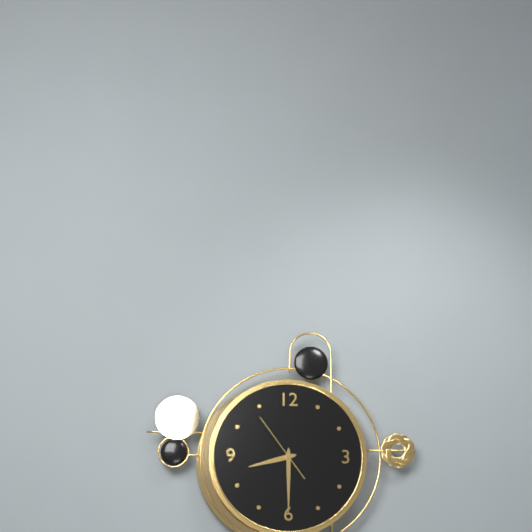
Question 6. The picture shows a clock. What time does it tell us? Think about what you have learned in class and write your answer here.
8:30:54
